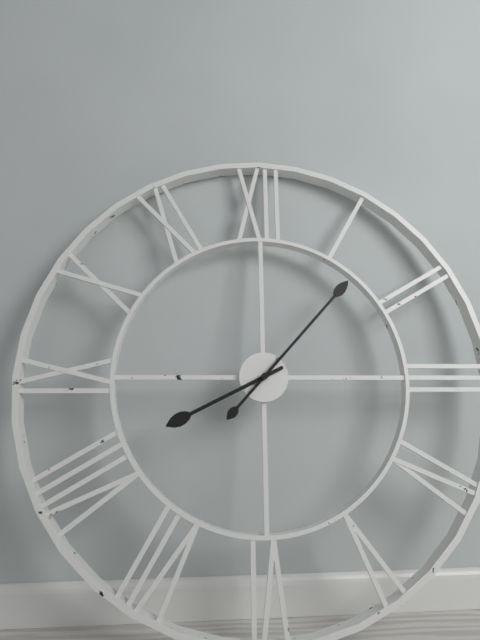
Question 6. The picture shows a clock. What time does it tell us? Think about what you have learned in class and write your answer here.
8:07
